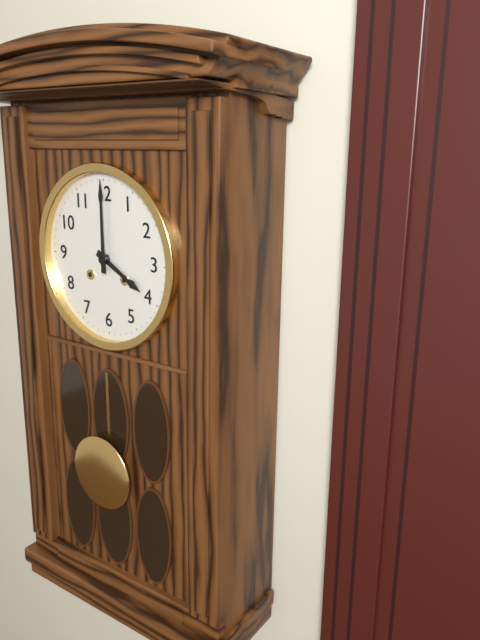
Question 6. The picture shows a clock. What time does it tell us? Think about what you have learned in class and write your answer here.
4:00
